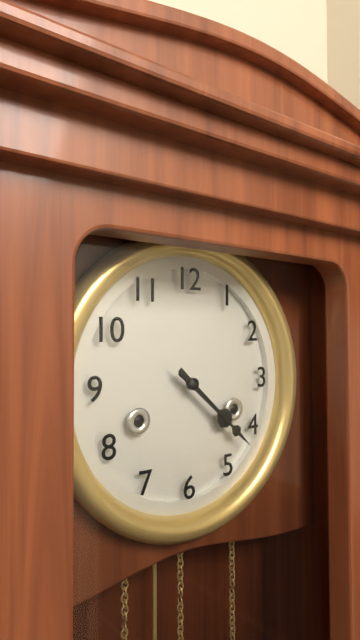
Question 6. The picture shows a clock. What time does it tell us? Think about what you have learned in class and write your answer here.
4:22
